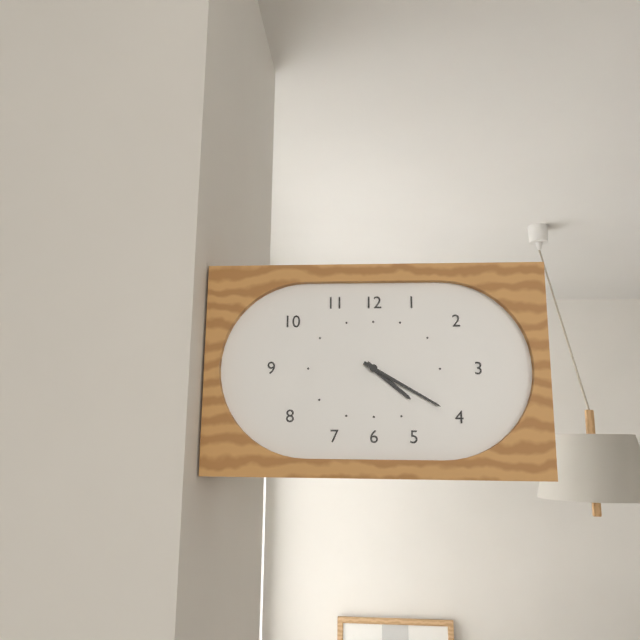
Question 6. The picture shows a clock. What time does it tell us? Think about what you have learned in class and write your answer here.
4:20
